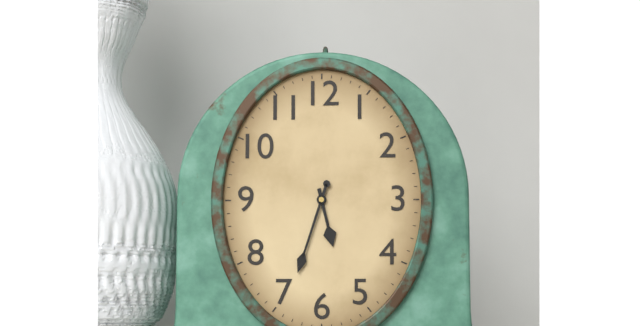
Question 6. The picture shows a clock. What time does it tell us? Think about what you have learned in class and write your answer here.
5:33
